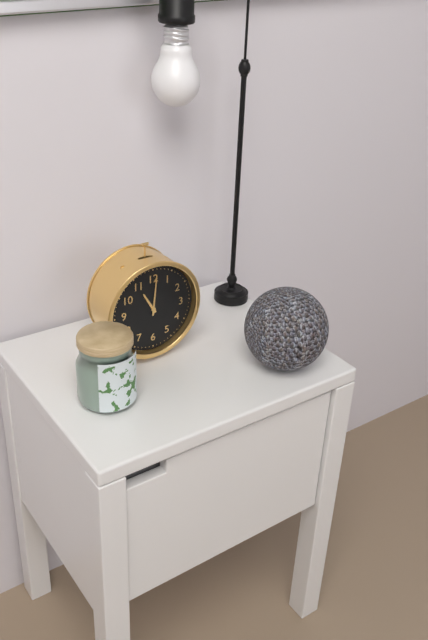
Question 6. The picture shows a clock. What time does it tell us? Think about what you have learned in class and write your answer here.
11:01
